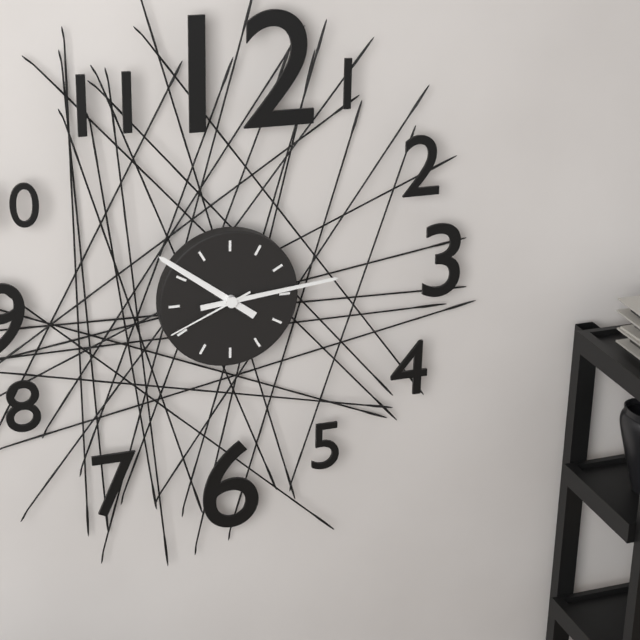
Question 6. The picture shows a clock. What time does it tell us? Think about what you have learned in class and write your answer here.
10:14:41
